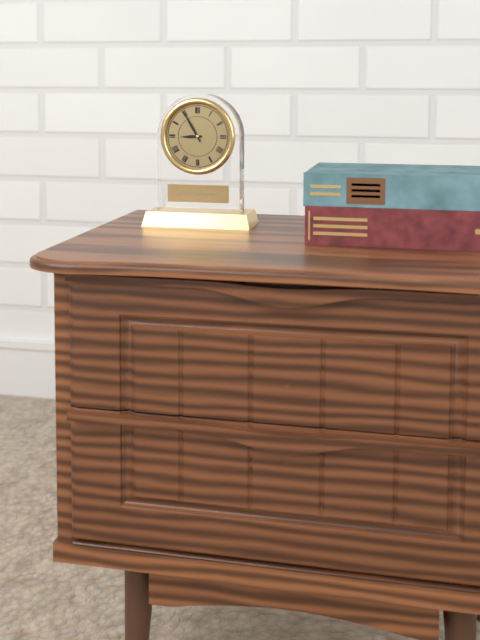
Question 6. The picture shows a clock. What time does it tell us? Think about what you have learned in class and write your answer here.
8:55
